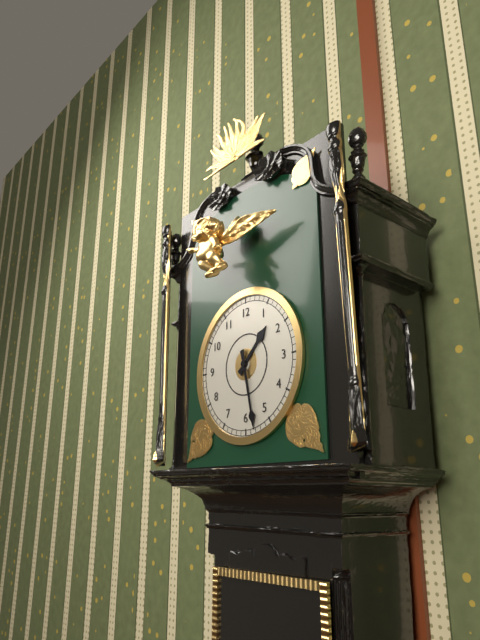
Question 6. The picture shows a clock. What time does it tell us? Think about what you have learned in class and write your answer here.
1:28
